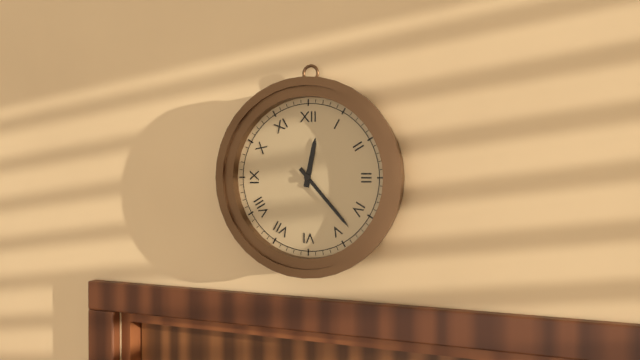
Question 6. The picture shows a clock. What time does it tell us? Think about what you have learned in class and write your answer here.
12:23
